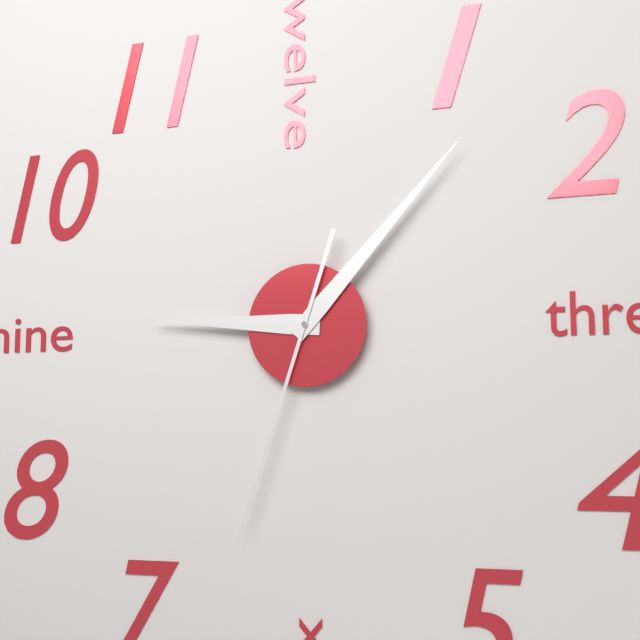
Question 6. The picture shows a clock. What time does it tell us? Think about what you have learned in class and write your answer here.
9:07:33
